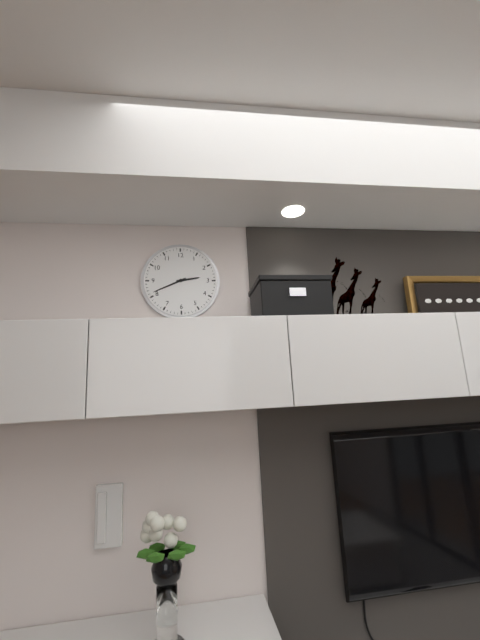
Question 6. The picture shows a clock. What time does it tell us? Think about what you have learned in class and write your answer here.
2:41
